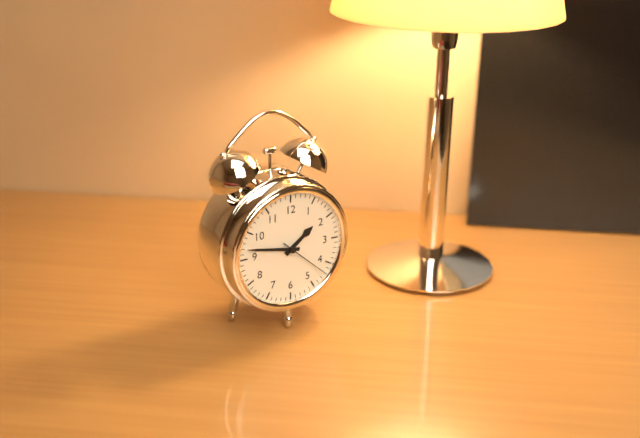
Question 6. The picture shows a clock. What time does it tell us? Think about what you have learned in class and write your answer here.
1:47:22
